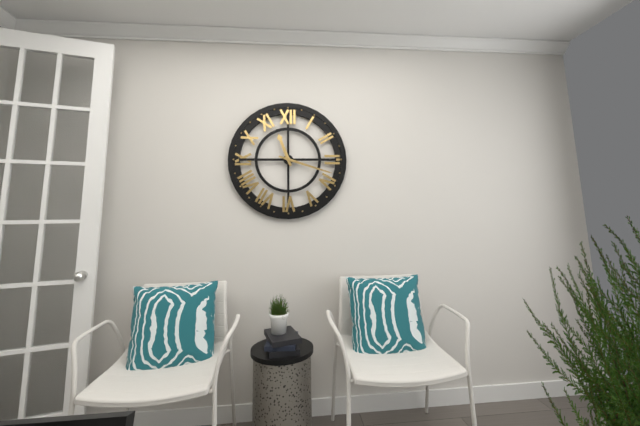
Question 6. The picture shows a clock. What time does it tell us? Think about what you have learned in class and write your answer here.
11:18
